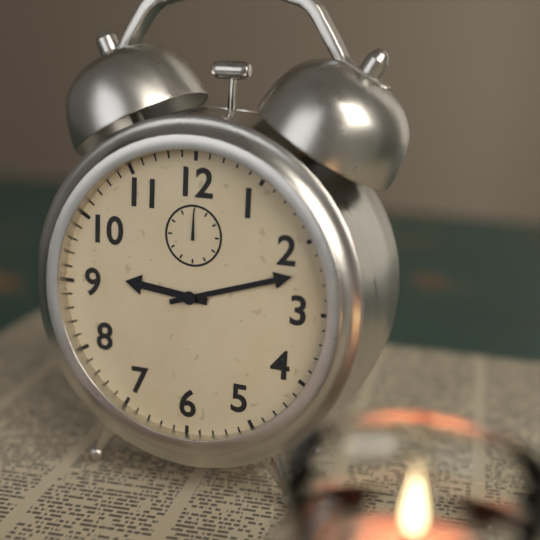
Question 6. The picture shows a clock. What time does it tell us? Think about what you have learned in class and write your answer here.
9:12
